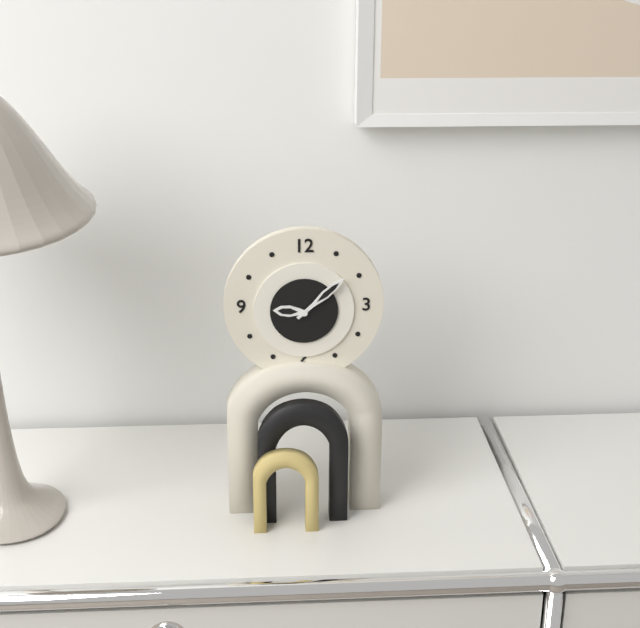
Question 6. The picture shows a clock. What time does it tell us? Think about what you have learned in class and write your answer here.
9:08
